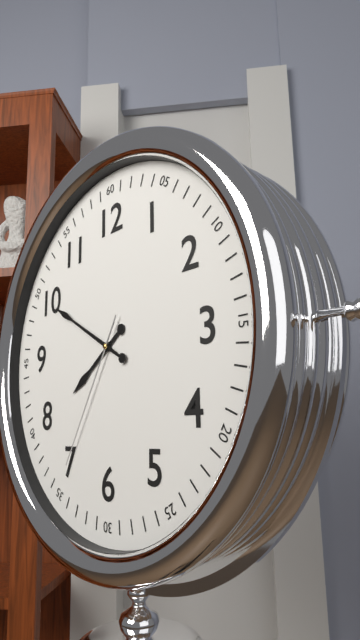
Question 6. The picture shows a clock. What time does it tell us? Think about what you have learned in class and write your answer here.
7:50:35
